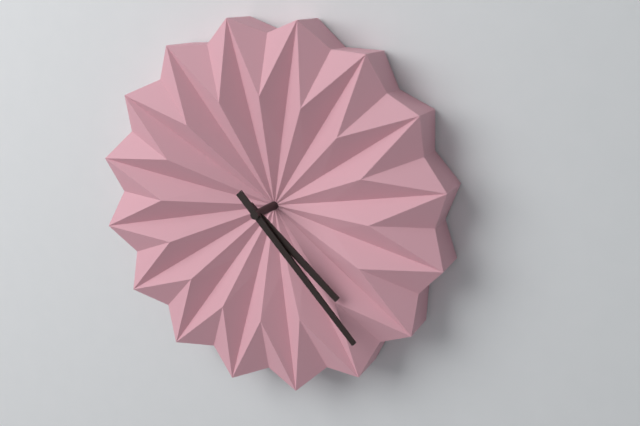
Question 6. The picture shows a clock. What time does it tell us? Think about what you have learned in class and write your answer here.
4:23
